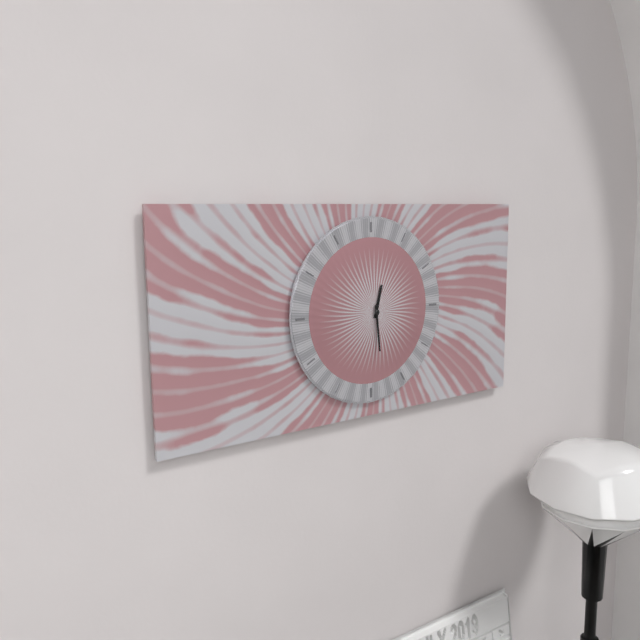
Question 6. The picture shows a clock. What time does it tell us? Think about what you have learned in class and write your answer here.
12:29
